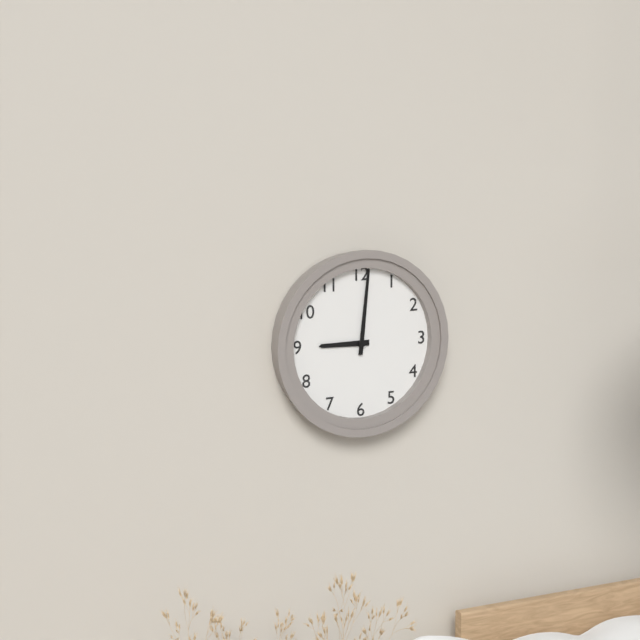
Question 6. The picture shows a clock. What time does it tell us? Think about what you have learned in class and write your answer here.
9:01
